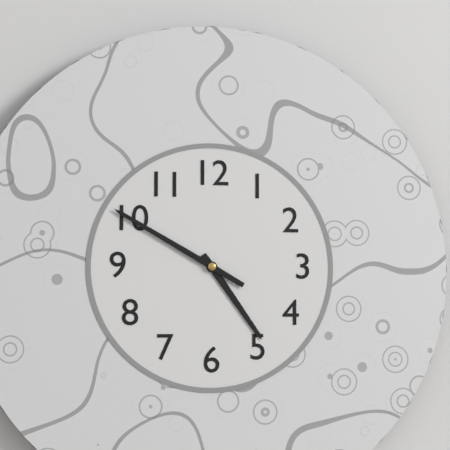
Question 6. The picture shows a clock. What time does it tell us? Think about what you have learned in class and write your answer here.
4:50
